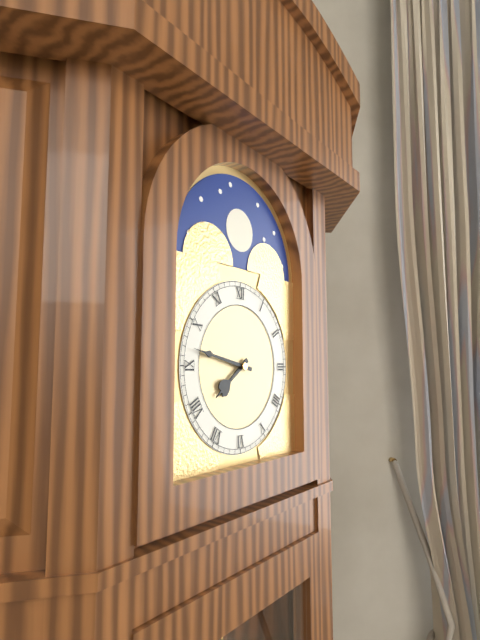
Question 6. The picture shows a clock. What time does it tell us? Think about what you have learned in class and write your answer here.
7:47
